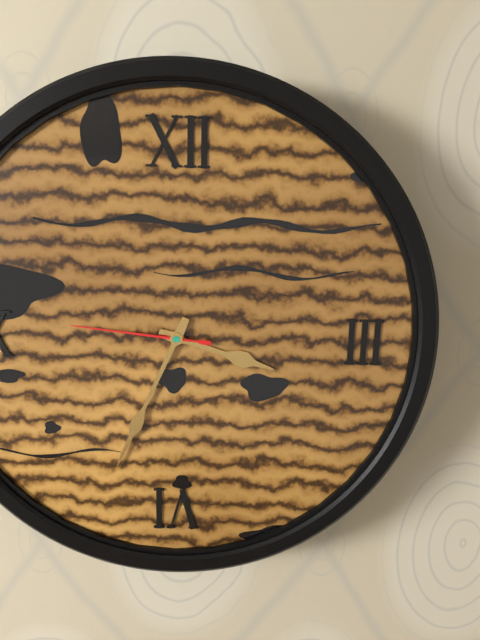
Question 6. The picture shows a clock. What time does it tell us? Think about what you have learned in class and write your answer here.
3:34:46
